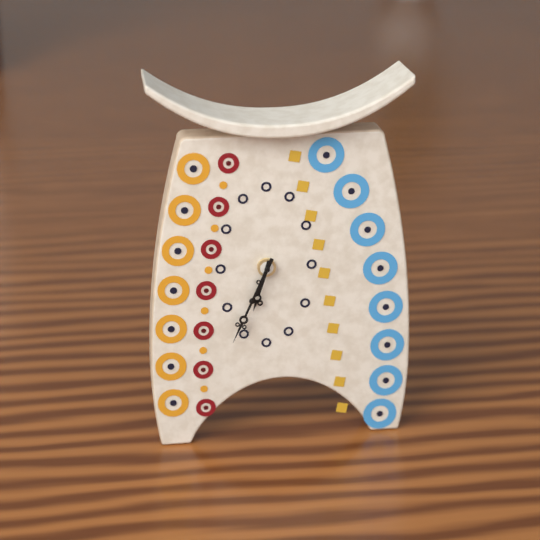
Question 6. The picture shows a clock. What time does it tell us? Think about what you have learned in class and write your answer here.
6:34
